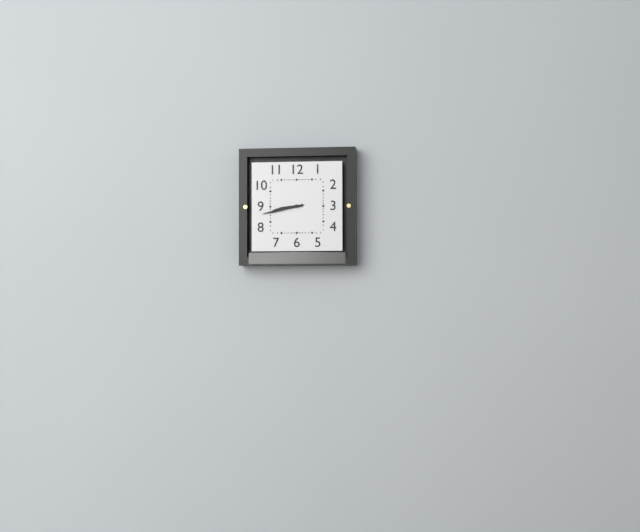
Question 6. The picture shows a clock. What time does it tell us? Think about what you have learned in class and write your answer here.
8:43
